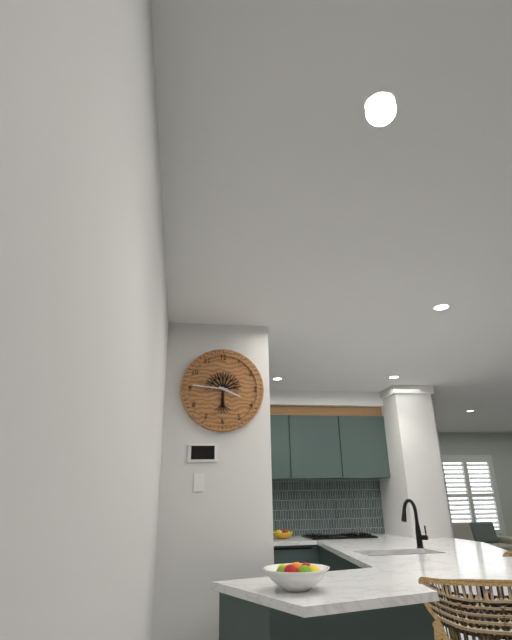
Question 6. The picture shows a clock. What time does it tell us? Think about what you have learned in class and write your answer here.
3:46
